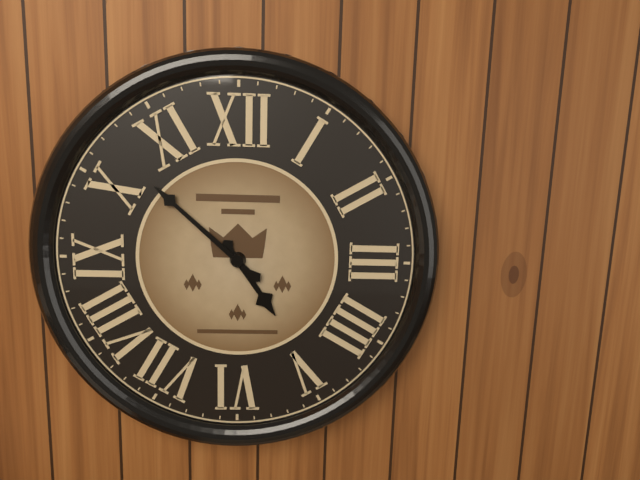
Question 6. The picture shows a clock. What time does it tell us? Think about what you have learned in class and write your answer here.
4:52
